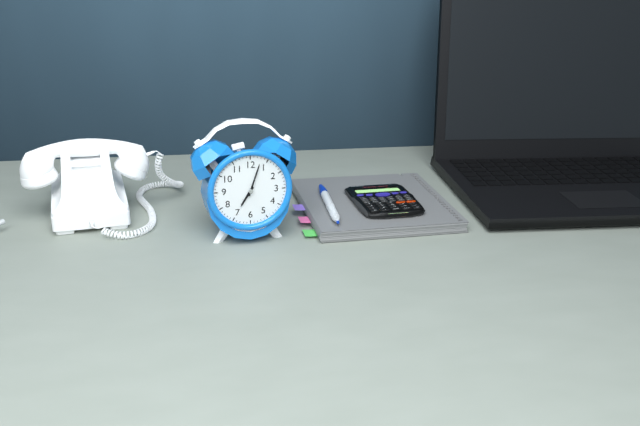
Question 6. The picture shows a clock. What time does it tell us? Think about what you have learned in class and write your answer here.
7:03
